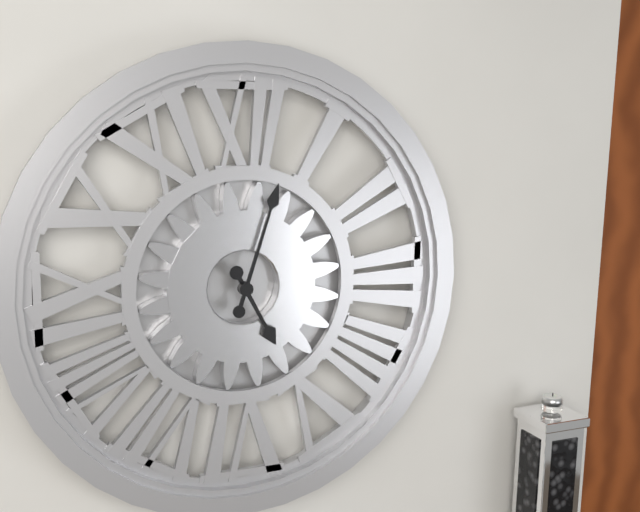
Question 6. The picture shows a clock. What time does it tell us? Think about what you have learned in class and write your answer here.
5:03
